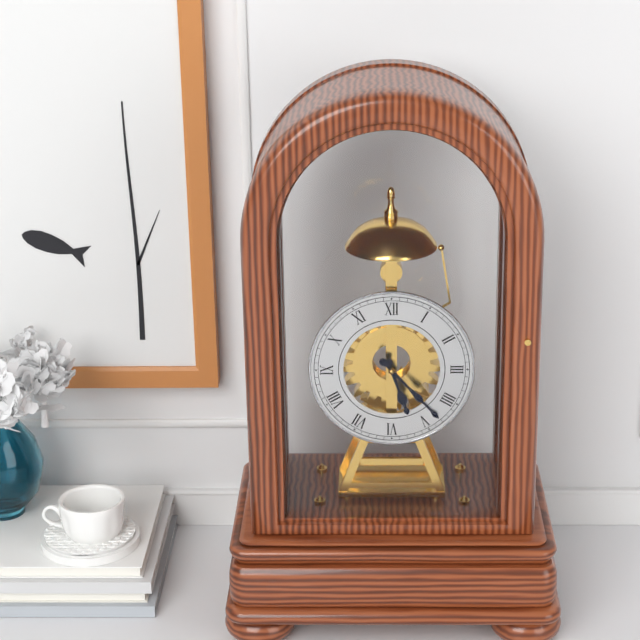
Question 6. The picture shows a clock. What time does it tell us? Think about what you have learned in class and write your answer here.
5:23
